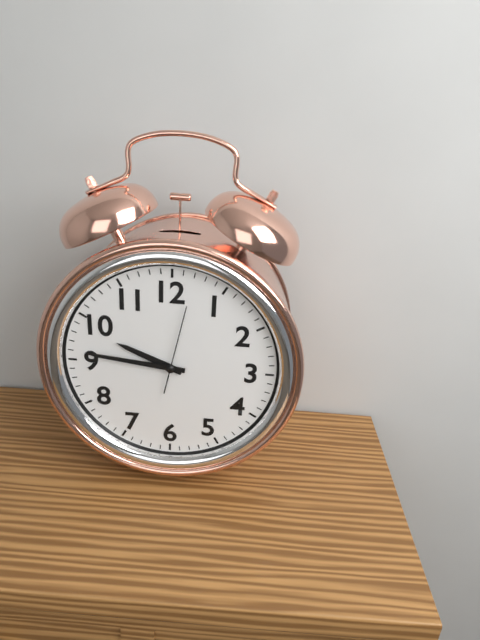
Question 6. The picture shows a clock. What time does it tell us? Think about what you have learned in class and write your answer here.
9:46:02
